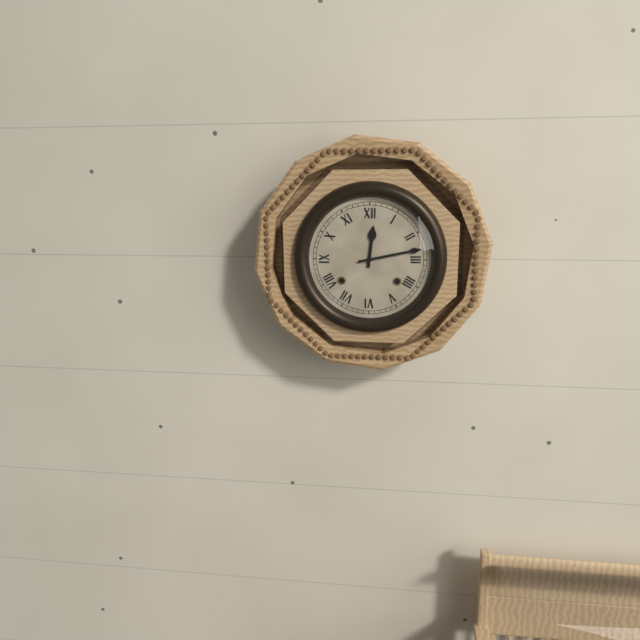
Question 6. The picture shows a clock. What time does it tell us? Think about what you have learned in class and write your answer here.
12:13
